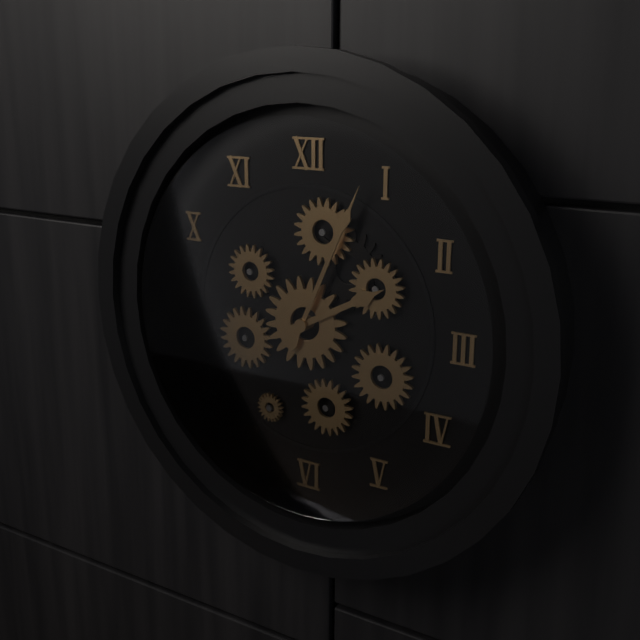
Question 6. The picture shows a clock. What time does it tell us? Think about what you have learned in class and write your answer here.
2:04
